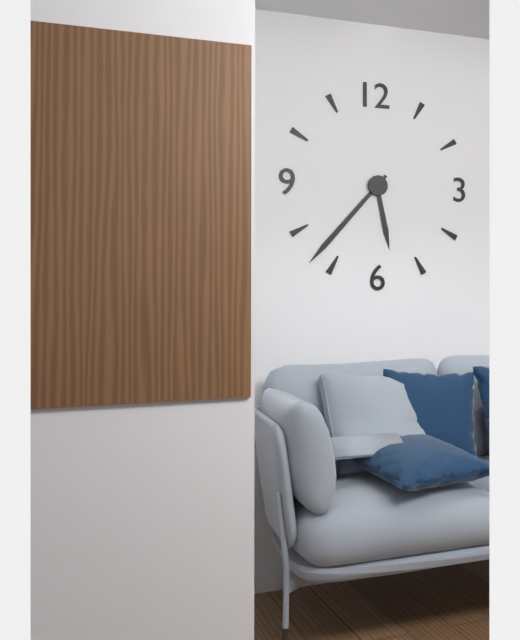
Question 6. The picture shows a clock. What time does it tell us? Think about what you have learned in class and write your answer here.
5:37
